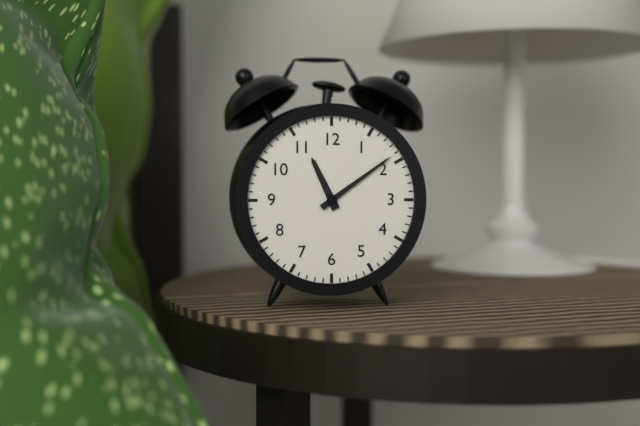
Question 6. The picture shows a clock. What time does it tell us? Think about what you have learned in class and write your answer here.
11:09
